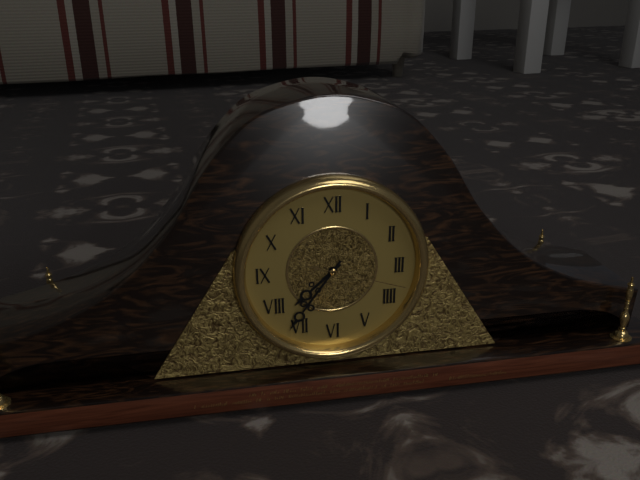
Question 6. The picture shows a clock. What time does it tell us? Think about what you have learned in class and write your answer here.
7:36:18
